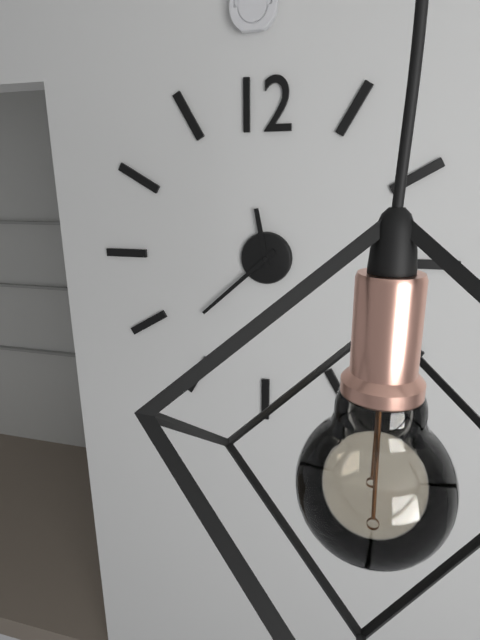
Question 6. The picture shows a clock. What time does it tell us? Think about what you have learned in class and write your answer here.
11:38
